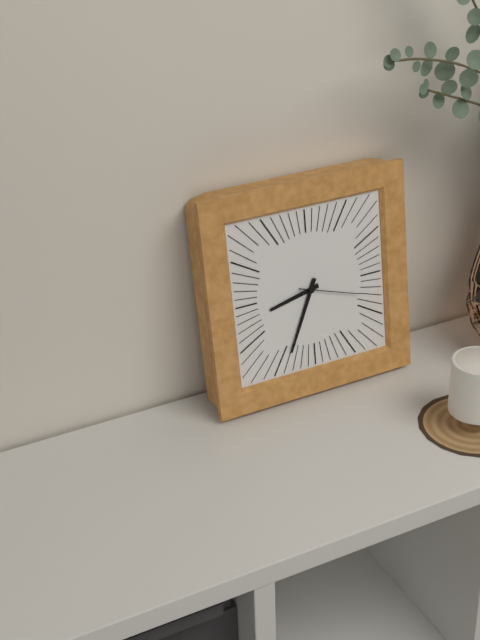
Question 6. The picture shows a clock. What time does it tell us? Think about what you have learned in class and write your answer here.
8:34:18
